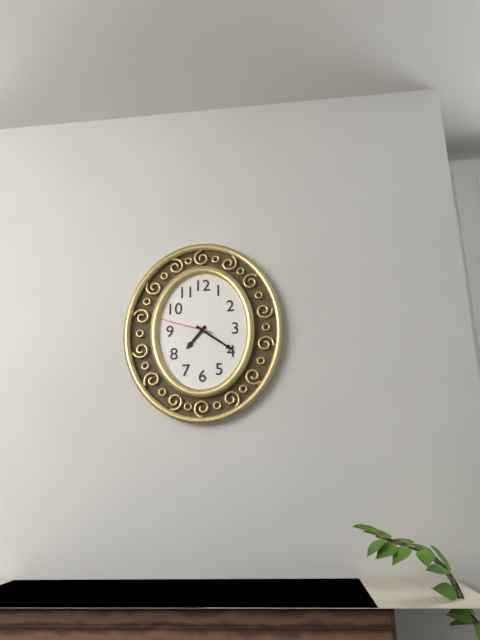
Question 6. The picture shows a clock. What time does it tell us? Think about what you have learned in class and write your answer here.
7:21:48
